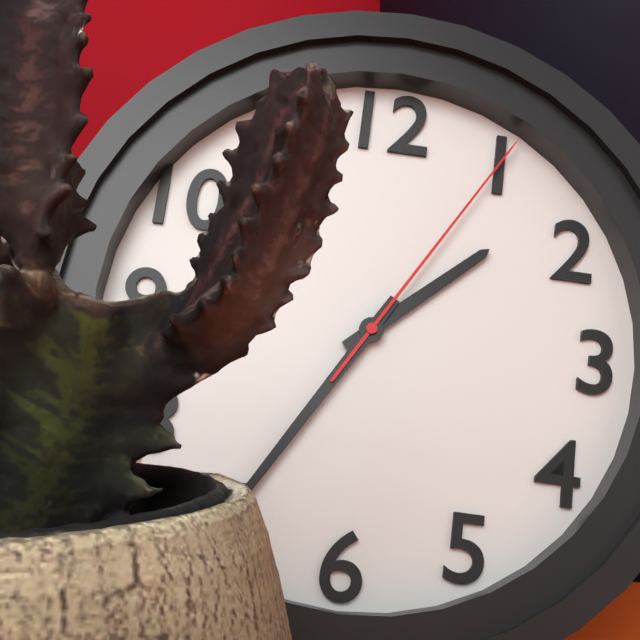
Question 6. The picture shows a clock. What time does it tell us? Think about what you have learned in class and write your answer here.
1:35:05
